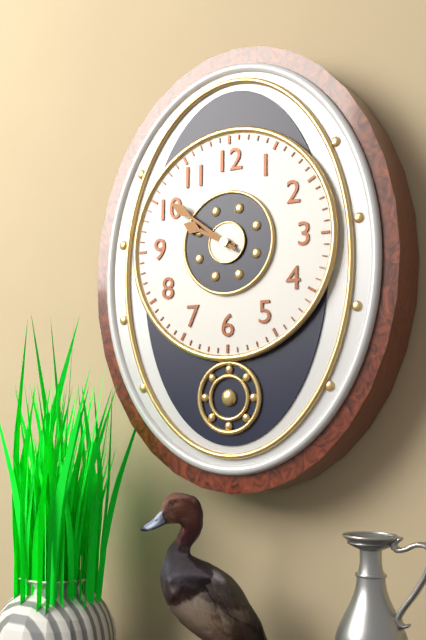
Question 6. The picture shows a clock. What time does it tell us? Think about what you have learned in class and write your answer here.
9:51
